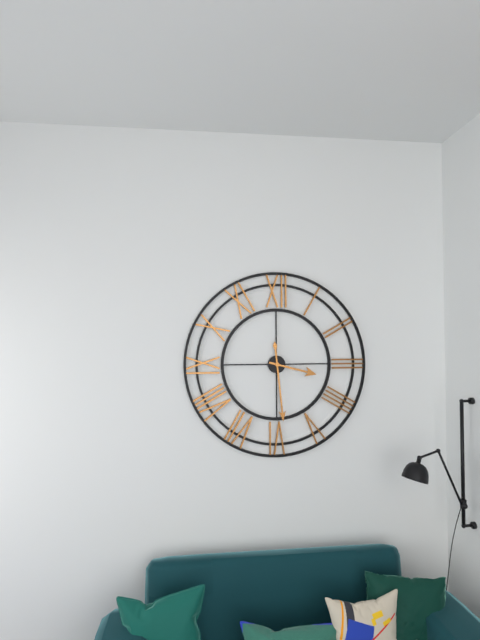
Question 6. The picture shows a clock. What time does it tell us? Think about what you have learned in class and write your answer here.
3:29
